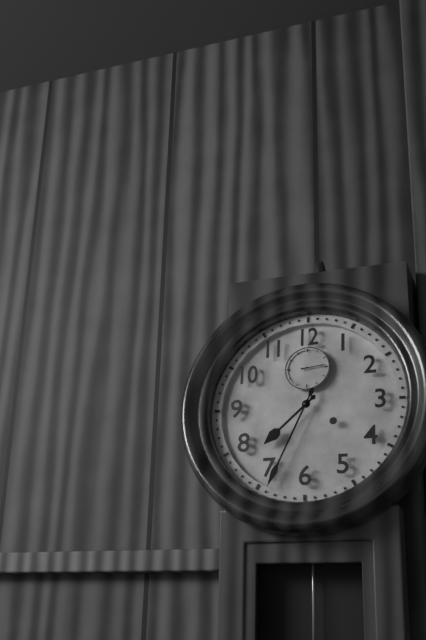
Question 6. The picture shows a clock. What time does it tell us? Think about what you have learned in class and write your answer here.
7:34
